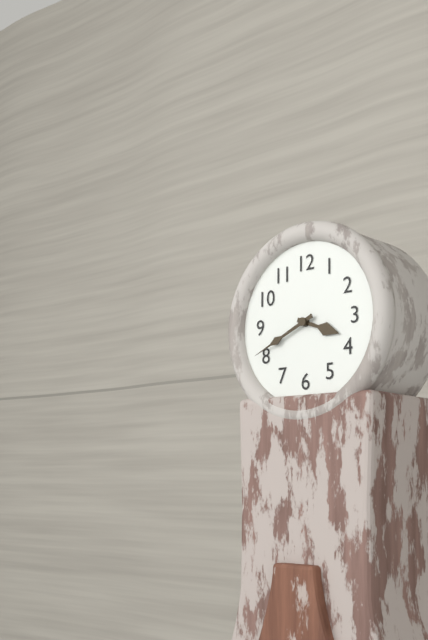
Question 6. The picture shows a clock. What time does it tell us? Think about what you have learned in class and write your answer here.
3:41
